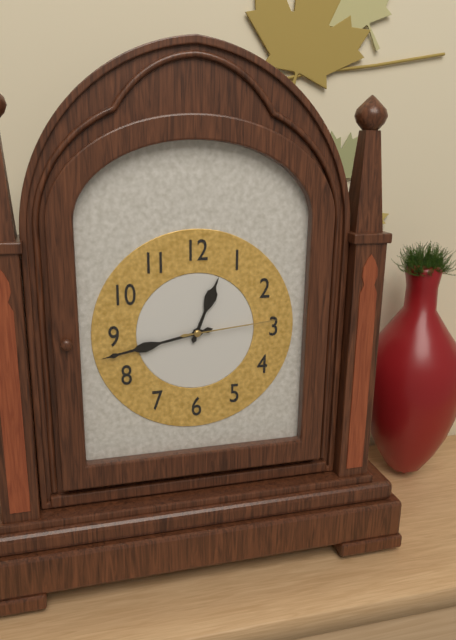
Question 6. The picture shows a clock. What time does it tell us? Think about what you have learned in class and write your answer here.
12:43:14
